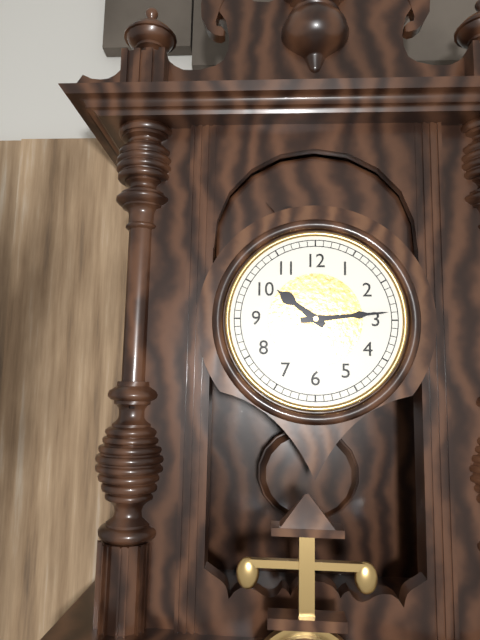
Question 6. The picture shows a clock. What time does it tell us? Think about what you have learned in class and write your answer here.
10:14
